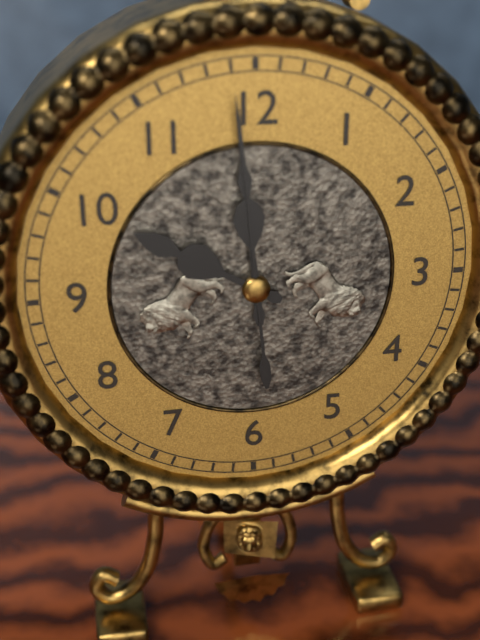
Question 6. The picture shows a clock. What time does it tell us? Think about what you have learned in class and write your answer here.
9:59:59
